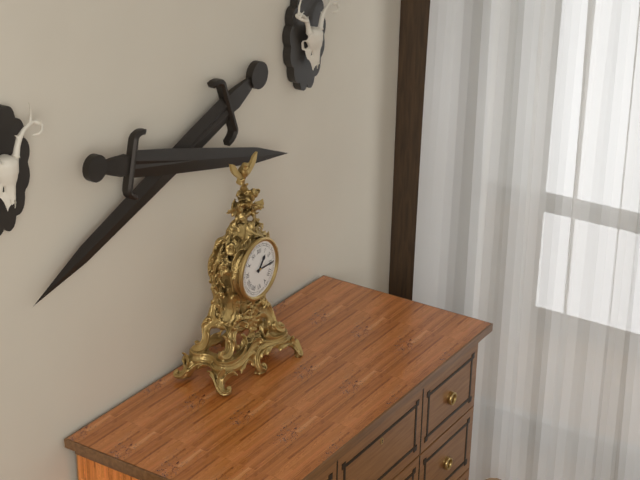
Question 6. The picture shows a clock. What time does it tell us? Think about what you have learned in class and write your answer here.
1:15
